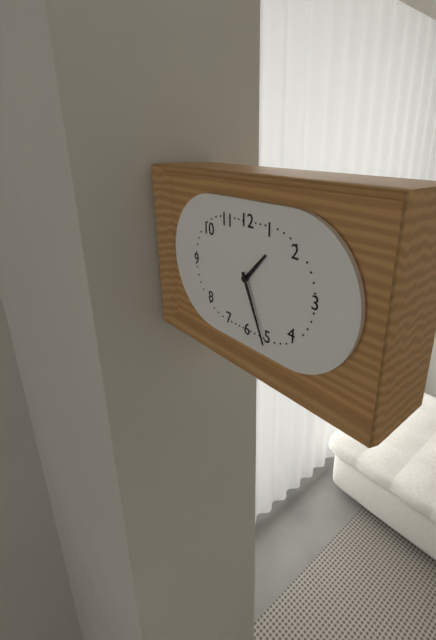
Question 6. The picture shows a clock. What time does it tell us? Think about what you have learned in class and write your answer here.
1:26
